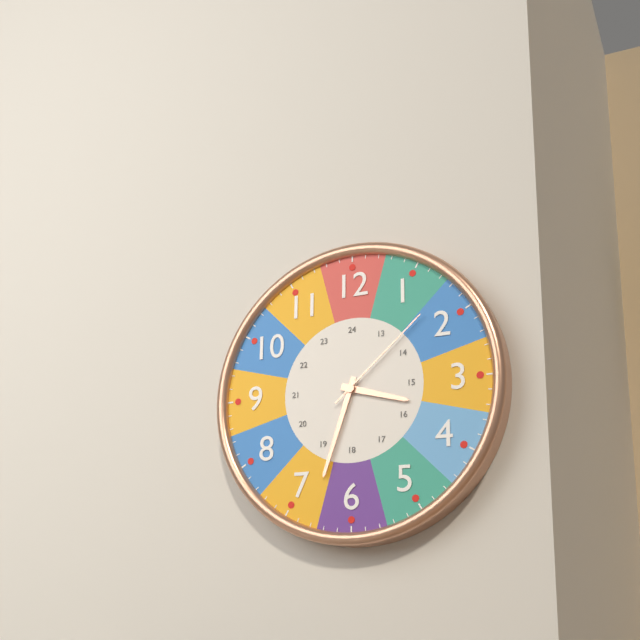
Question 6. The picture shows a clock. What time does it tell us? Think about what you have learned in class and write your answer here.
3:33:08
